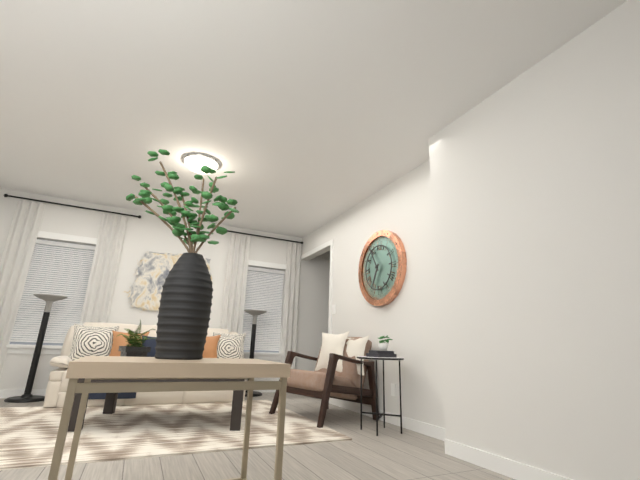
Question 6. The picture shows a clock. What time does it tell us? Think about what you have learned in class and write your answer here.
6:55
